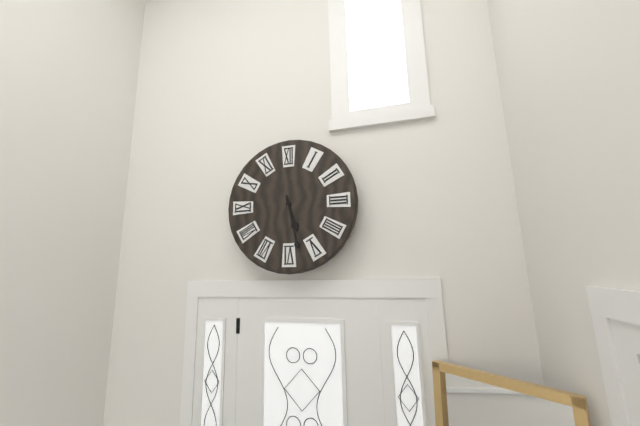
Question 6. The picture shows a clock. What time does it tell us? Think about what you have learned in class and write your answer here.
5:28
